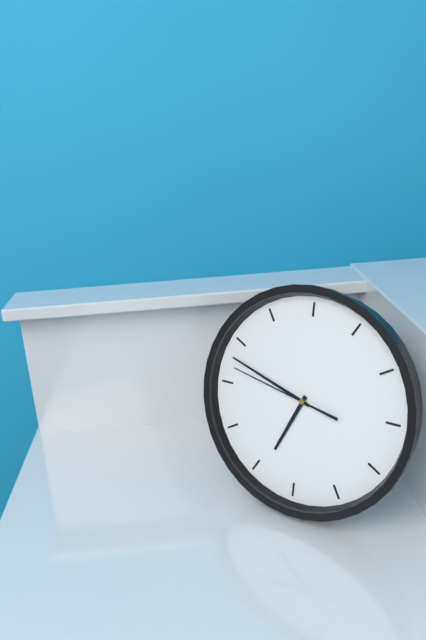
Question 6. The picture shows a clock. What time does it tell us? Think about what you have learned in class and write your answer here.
6:48:47
